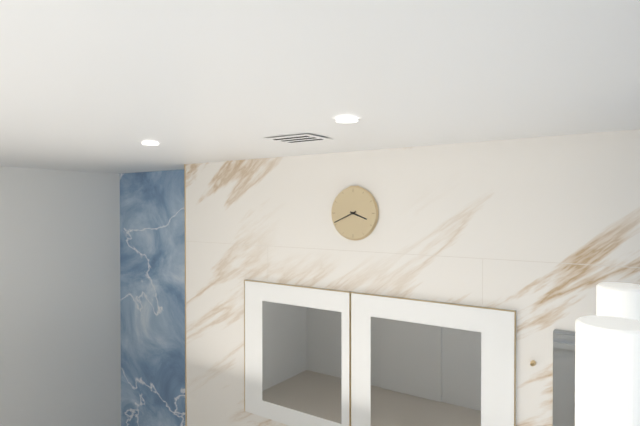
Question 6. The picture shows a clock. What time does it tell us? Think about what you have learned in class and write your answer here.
3:41
